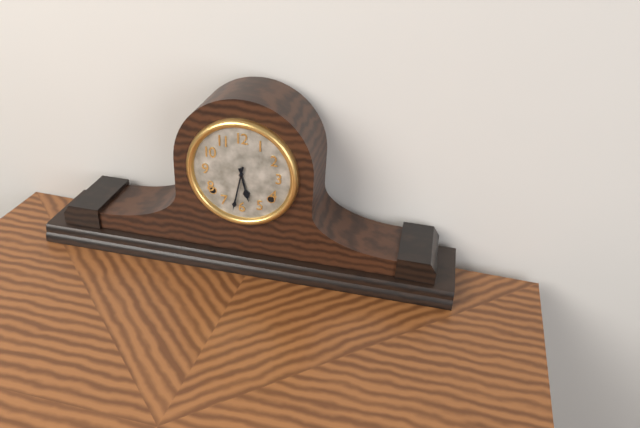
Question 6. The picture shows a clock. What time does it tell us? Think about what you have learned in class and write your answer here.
5:32
